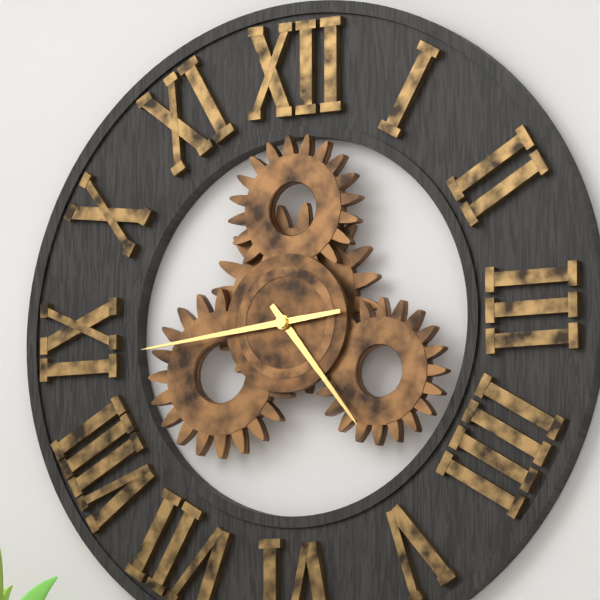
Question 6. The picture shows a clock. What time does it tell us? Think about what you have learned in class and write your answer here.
4:44
